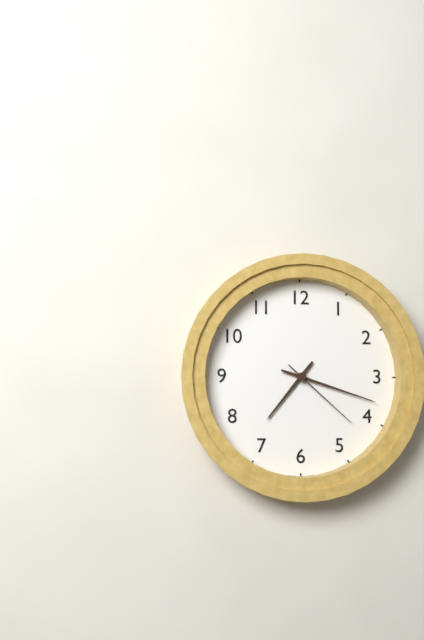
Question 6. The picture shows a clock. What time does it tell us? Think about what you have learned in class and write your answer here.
7:18:22
